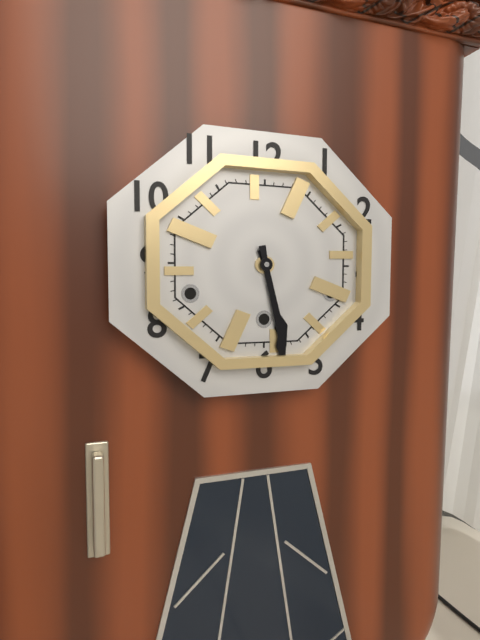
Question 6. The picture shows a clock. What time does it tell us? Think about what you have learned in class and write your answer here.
5:28
